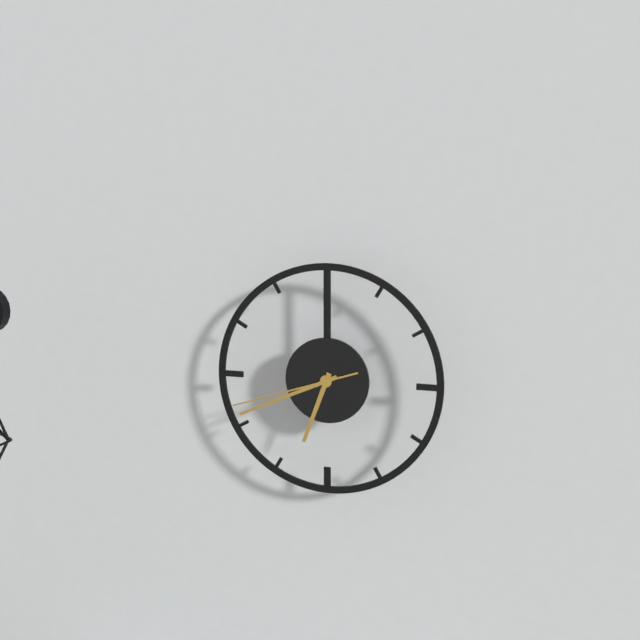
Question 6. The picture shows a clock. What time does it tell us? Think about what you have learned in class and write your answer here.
6:41:42
